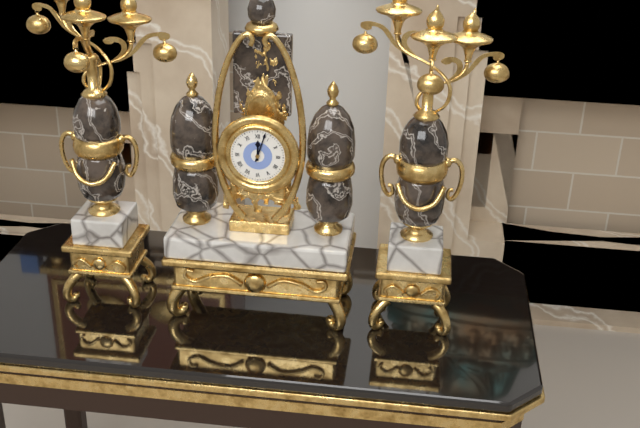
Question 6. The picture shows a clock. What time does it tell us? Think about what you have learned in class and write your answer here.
12:03
